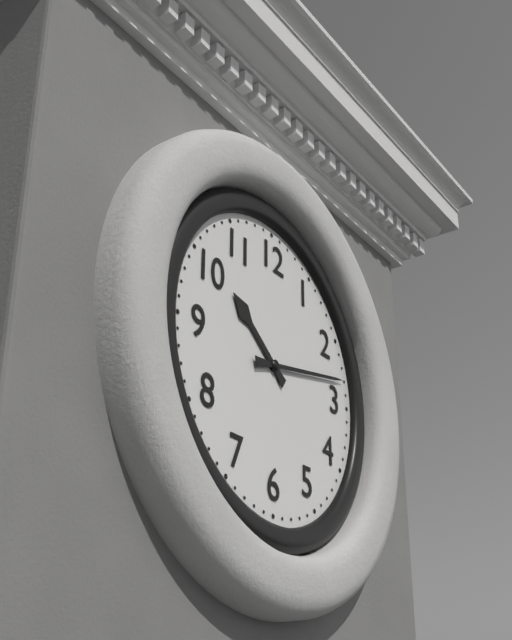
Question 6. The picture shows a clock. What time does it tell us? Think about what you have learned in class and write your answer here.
10:13
